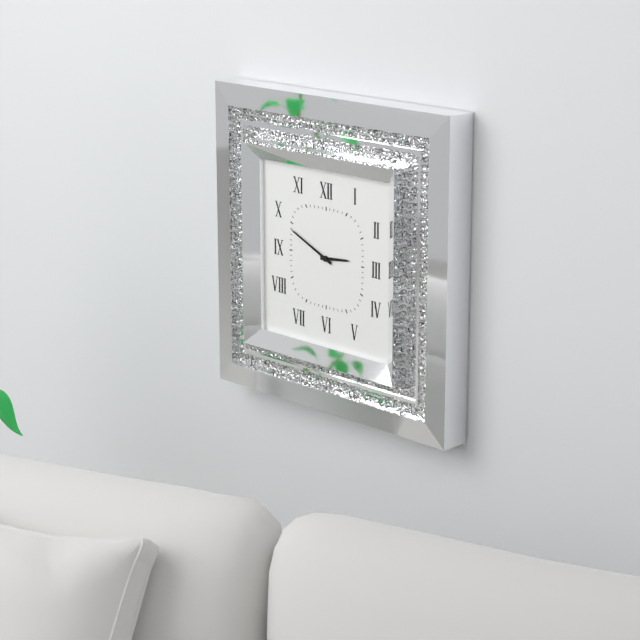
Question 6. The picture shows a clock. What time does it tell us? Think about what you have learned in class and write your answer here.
2:49
